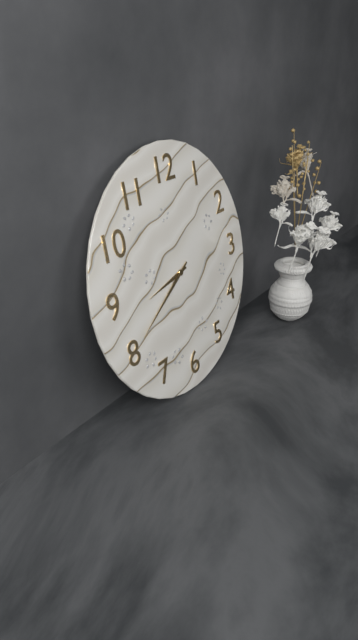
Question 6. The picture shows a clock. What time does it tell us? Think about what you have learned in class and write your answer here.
8:40
